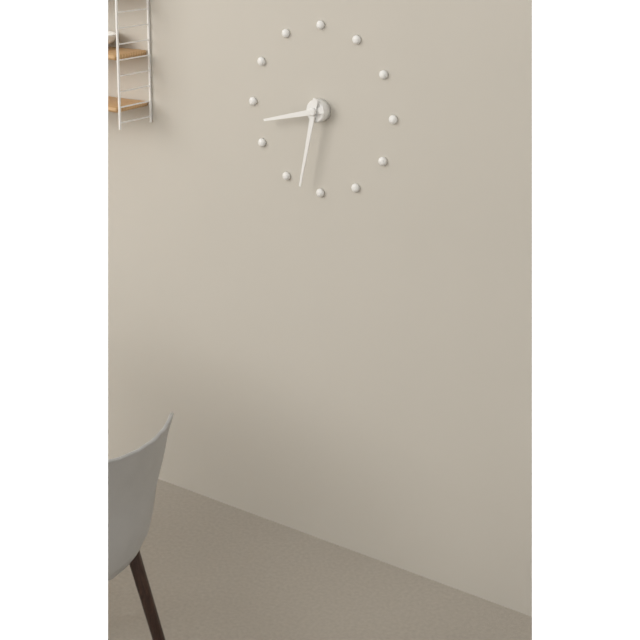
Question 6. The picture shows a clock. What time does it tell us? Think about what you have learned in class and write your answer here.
8:32
